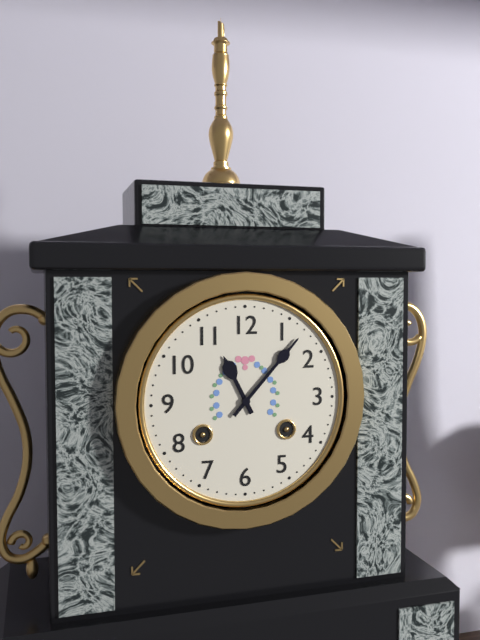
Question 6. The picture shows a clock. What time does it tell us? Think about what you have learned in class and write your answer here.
11:07
